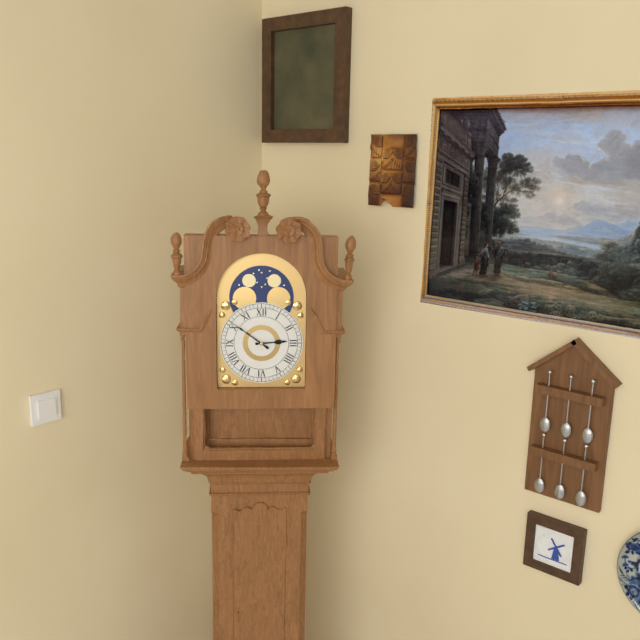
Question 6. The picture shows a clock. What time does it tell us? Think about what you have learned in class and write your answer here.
2:51
